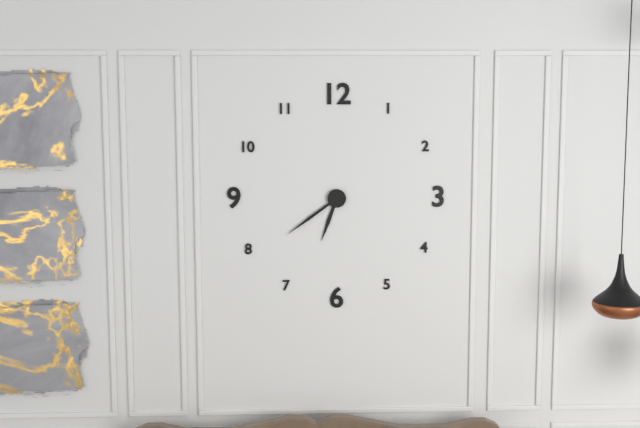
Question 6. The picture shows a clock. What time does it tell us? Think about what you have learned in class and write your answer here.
6:39
